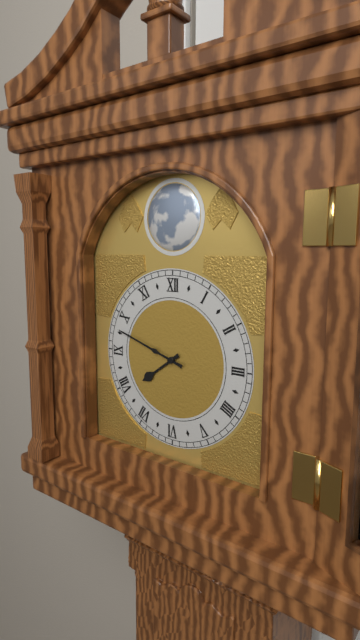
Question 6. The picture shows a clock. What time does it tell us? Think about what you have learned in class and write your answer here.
7:48
